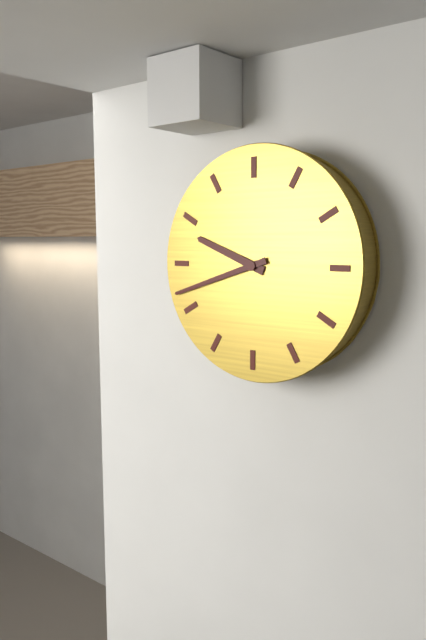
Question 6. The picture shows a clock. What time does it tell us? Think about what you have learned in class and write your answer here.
9:42
